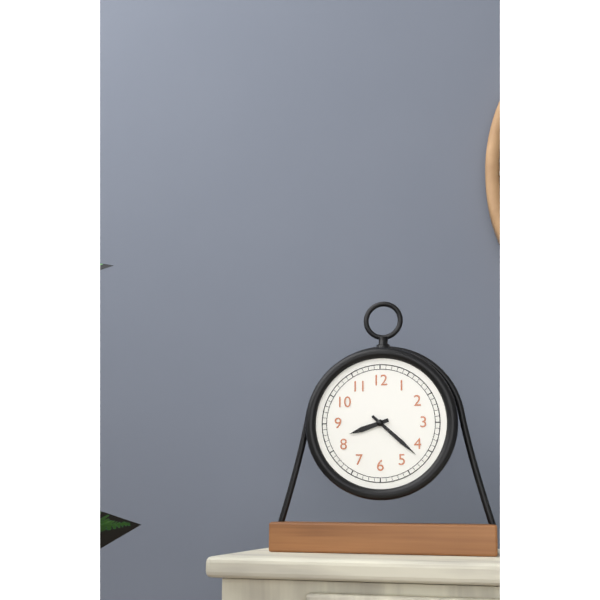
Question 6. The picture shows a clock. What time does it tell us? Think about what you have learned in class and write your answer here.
8:22
